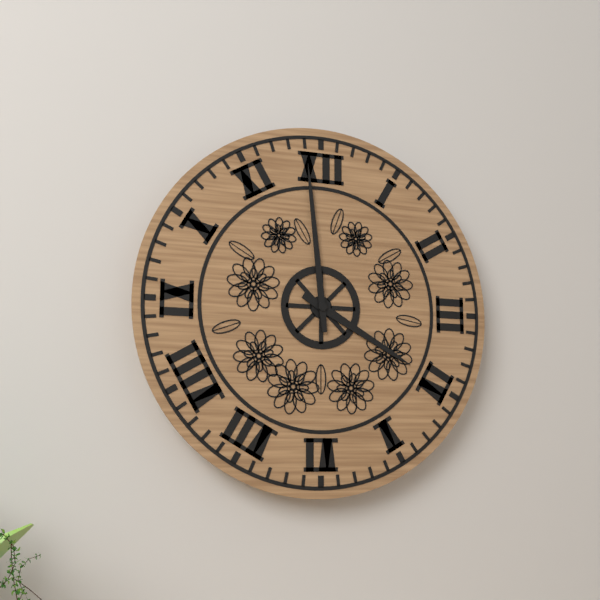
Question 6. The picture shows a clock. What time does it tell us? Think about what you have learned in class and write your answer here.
3:59
